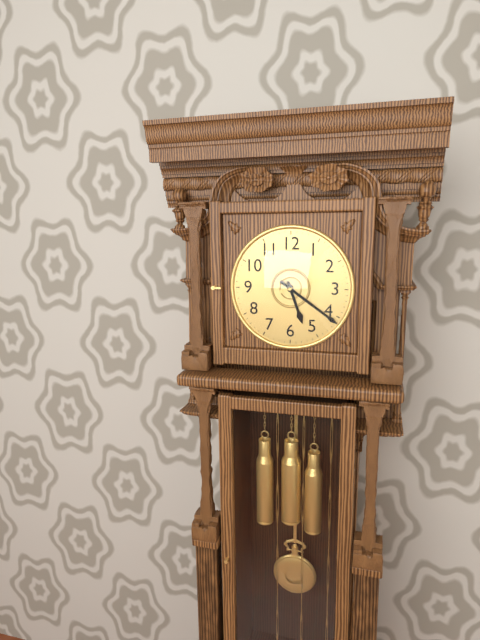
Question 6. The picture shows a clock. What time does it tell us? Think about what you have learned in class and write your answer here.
5:21:12
